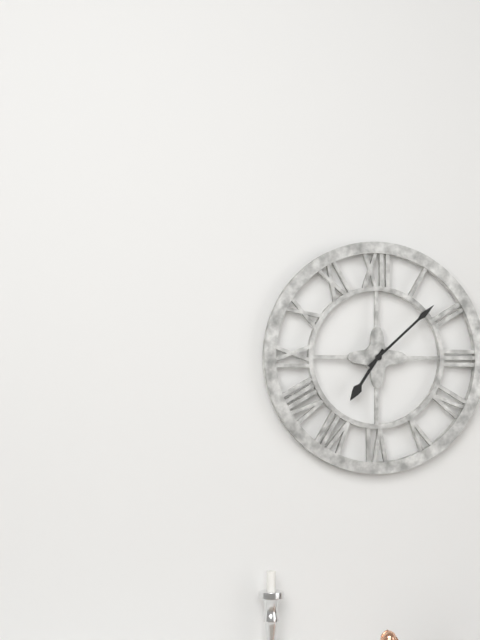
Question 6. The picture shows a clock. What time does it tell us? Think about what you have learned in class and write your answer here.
7:08
